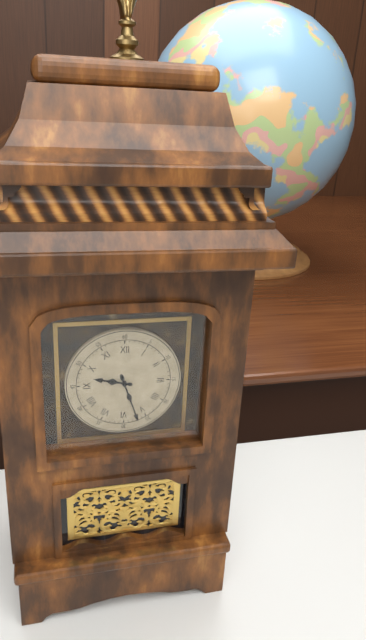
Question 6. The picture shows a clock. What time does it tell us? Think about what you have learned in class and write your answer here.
9:27
